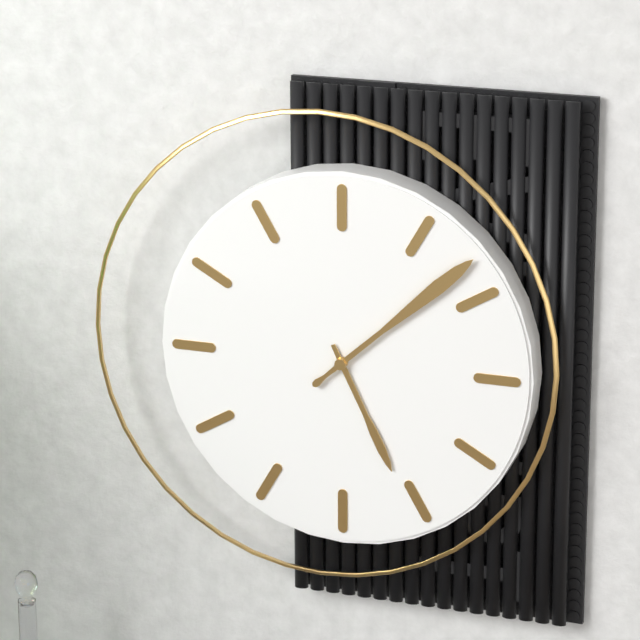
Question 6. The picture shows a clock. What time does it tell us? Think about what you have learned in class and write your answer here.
5:08
